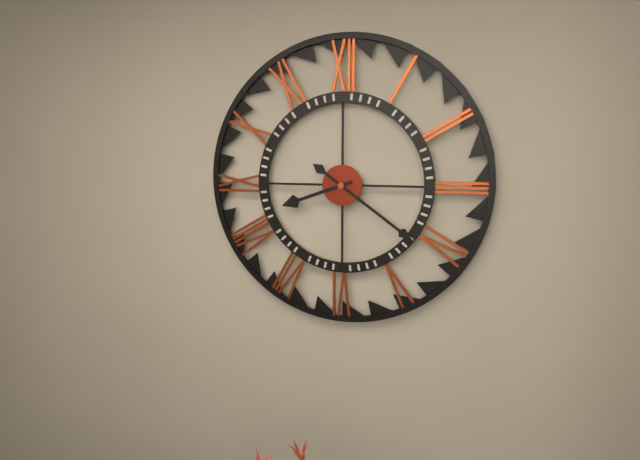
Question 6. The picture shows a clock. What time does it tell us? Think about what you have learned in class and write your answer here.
8:21
